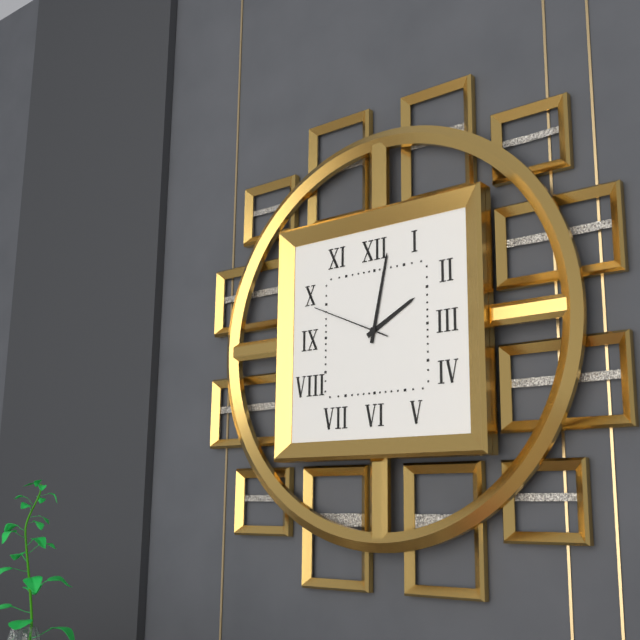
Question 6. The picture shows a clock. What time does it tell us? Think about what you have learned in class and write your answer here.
2:02:49
